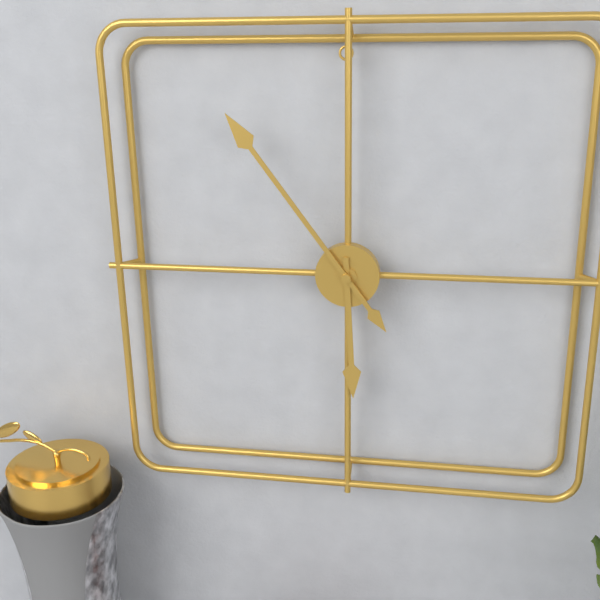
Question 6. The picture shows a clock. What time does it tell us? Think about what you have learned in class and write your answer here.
5:54
